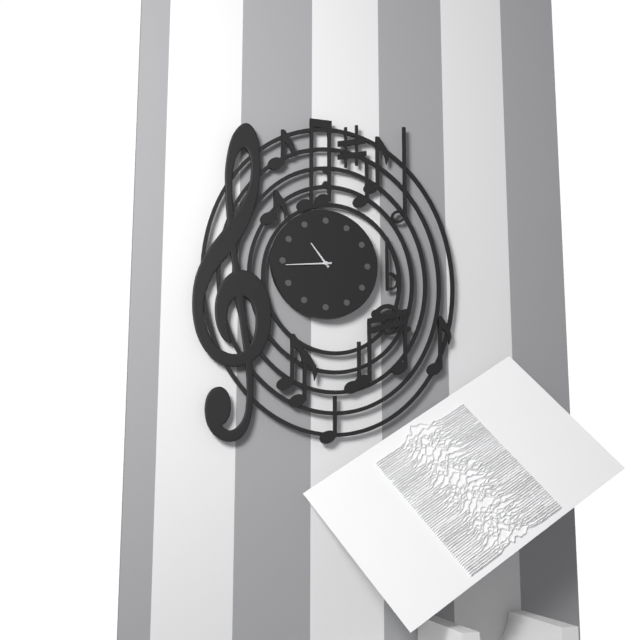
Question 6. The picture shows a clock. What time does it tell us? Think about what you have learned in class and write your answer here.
10:44
